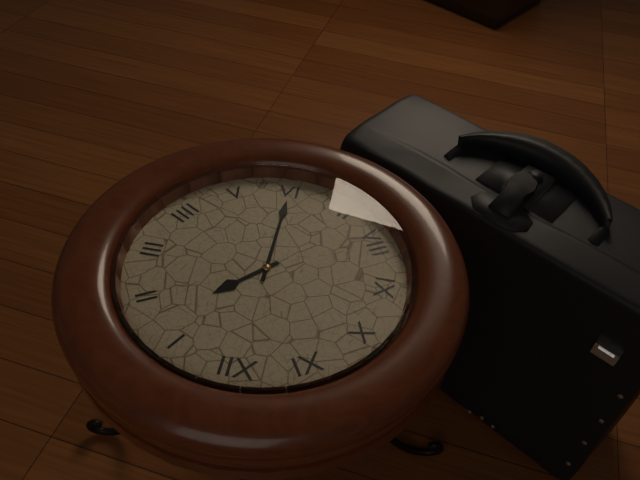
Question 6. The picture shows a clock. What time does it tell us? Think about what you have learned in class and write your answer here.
1:30
